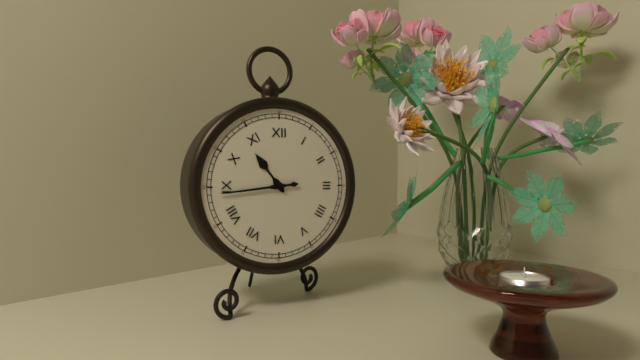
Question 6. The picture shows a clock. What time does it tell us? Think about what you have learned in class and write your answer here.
10:44
